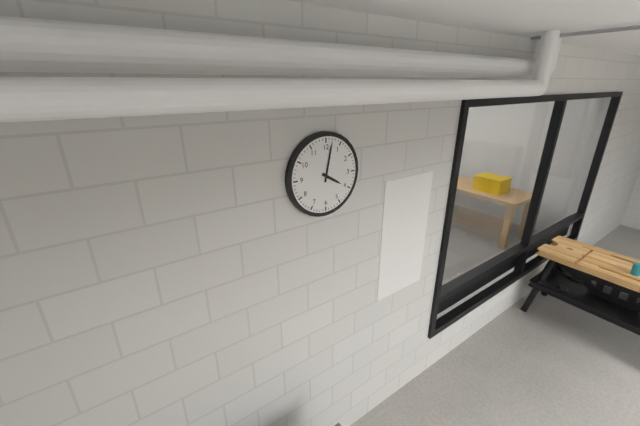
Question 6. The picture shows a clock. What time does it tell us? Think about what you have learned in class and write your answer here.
4:02
